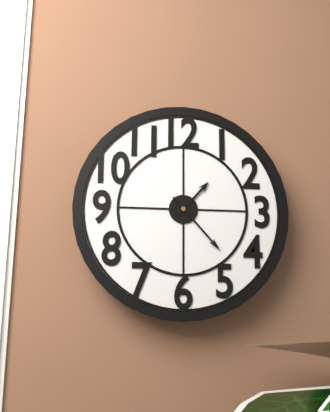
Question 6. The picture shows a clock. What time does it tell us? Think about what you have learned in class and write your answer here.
1:23
